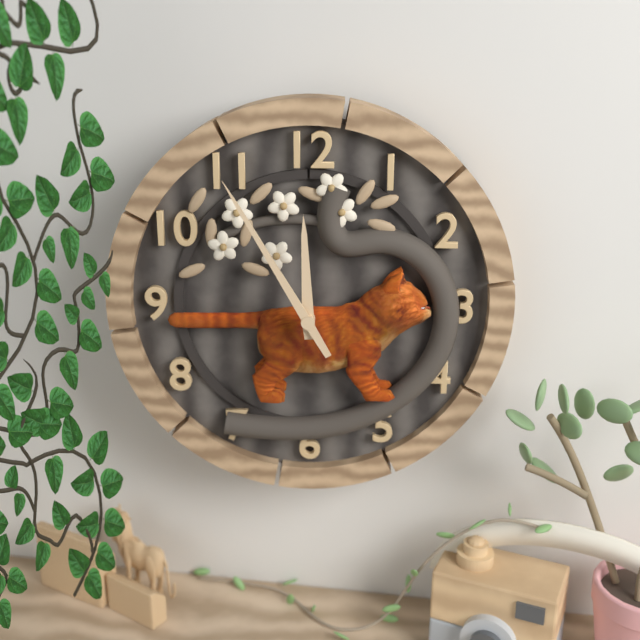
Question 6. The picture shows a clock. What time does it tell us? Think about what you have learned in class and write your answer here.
11:55
